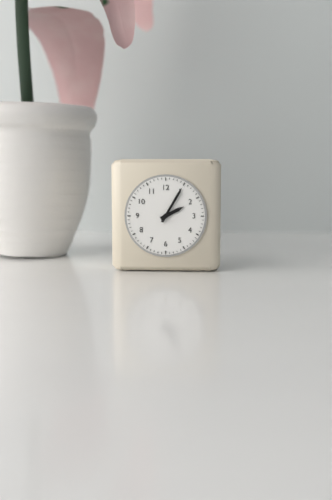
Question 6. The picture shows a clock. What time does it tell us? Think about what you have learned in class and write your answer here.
2:05
